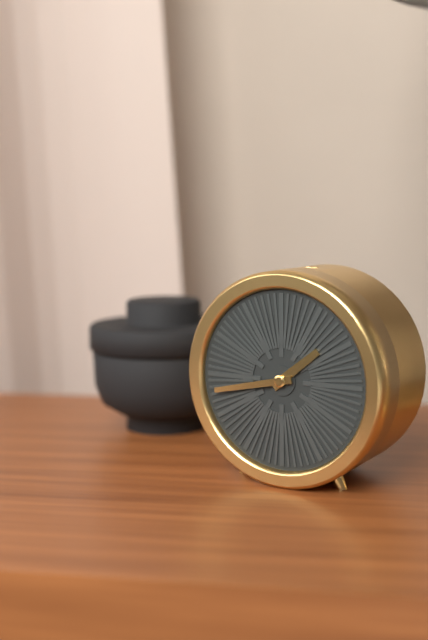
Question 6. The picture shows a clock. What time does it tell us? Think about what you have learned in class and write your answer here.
1:43
